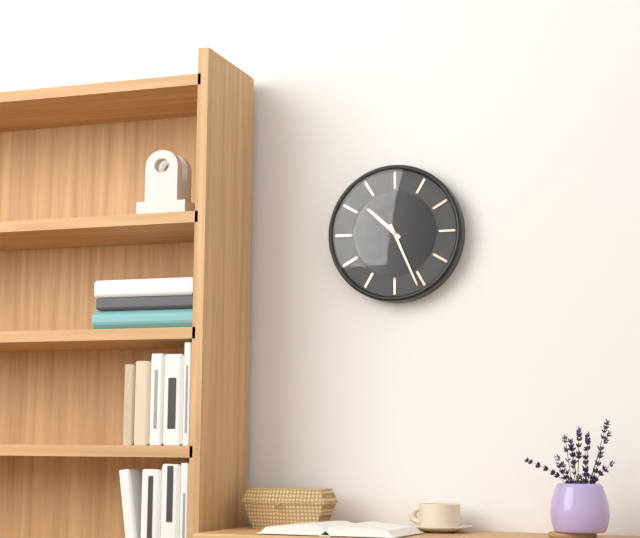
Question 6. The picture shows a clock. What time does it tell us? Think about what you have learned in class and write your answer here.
10:26
